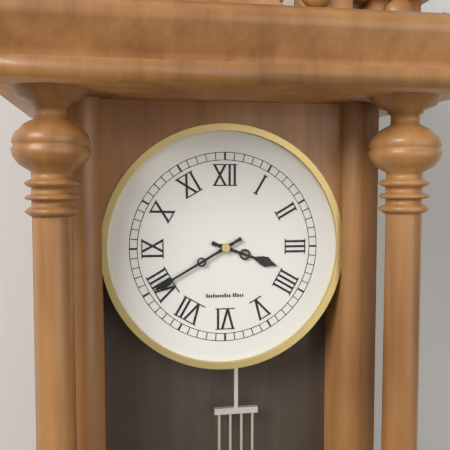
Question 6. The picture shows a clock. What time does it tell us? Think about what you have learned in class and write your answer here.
3:40
